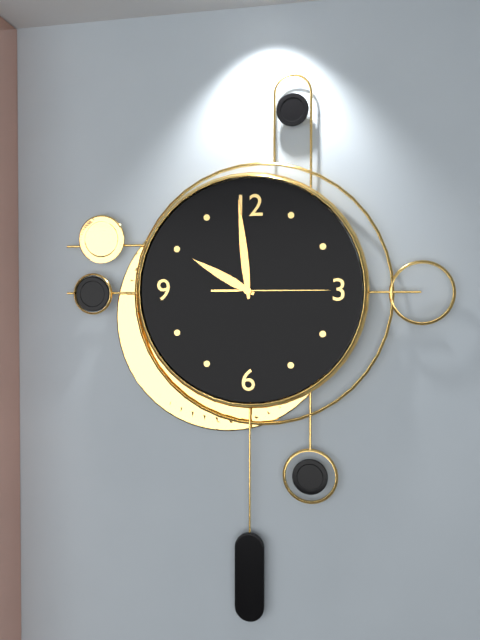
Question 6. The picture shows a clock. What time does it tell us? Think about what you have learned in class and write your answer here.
9:59:15
